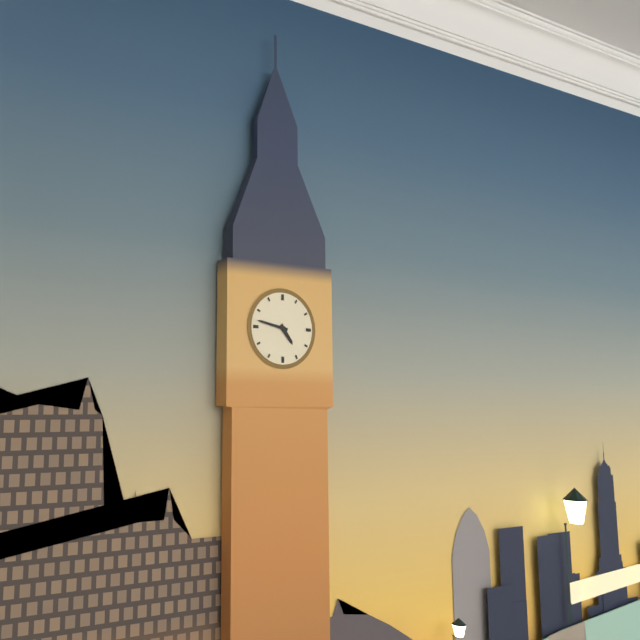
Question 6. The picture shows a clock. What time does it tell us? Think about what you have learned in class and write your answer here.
4:47
